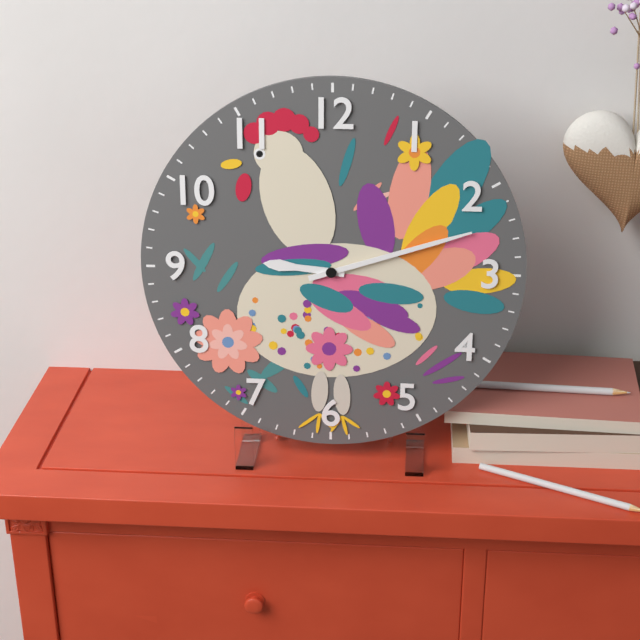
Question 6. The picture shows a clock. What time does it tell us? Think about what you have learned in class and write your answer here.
9:12
